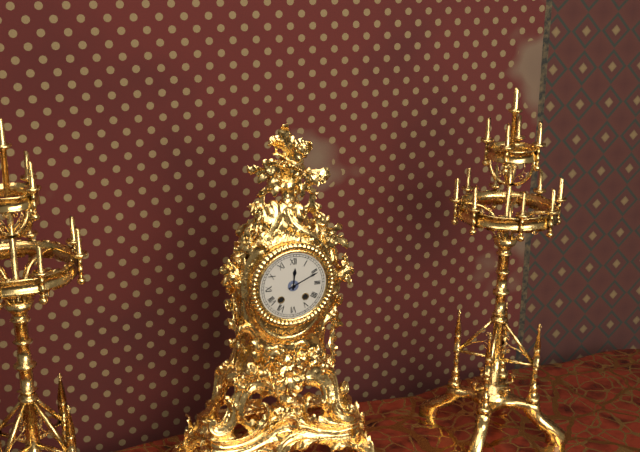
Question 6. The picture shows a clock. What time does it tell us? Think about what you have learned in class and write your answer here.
12:11
